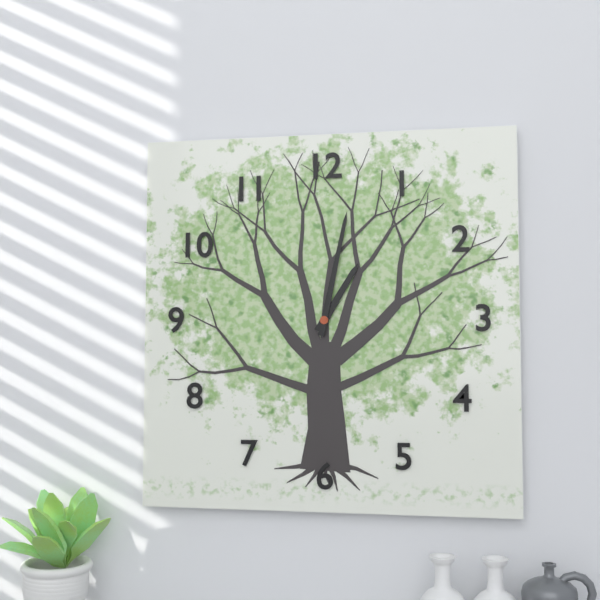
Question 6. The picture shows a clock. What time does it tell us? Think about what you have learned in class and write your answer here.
1:02
